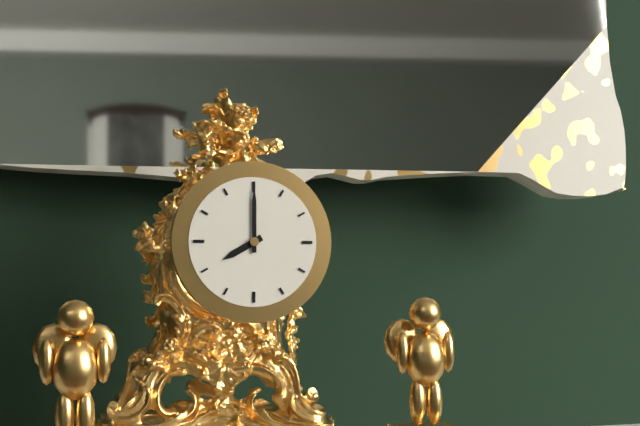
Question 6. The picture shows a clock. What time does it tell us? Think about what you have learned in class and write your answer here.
8:00
